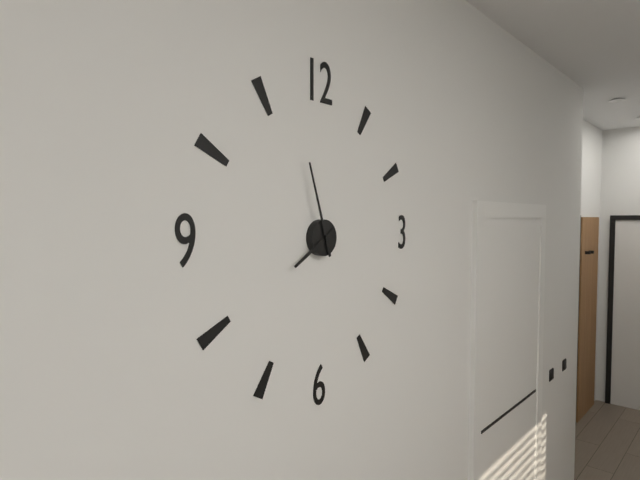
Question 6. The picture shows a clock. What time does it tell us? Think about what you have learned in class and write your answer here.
7:57
